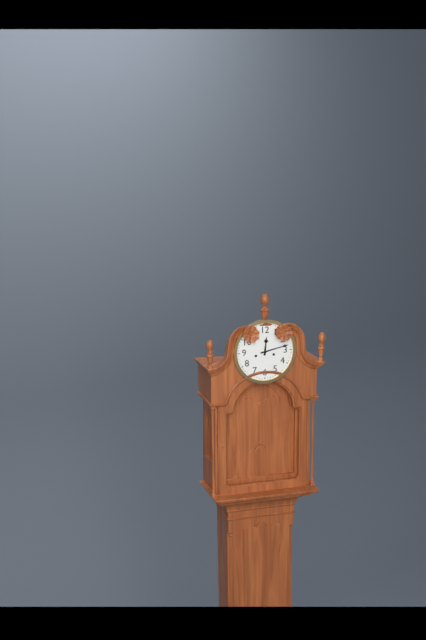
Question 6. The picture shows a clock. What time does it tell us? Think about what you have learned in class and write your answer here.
12:13
